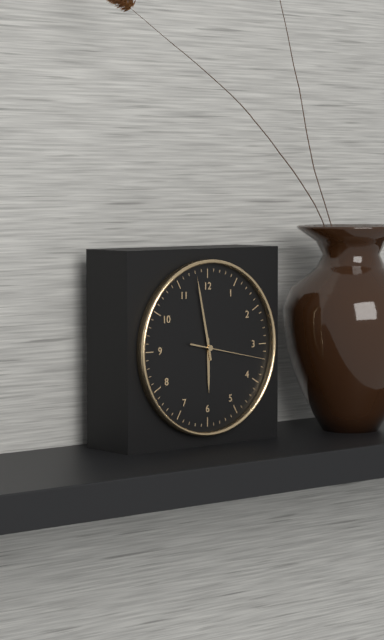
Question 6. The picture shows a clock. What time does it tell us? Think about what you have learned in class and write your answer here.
5:58:17
